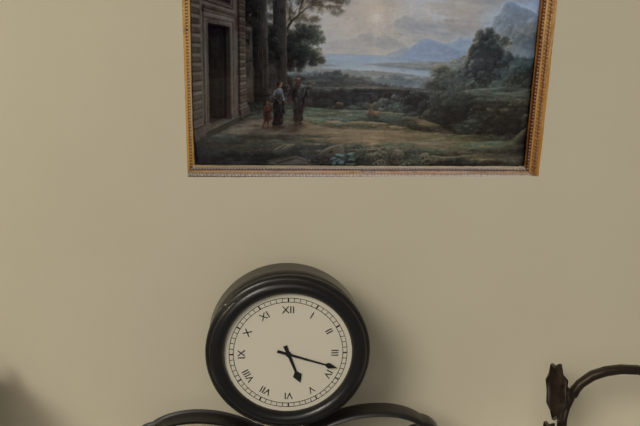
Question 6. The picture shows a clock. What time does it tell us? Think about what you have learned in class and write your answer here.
5:18
